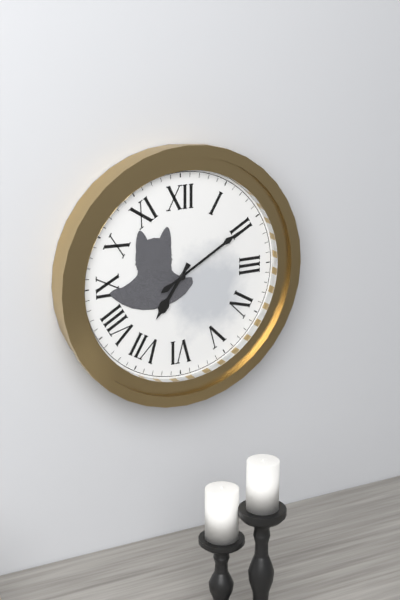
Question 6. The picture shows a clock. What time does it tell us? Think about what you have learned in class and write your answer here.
7:10
